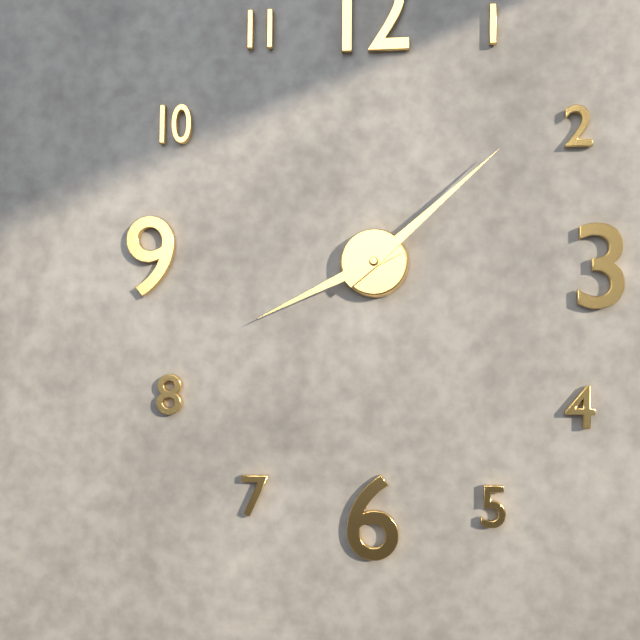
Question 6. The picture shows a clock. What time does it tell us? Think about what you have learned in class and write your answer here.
8:08
